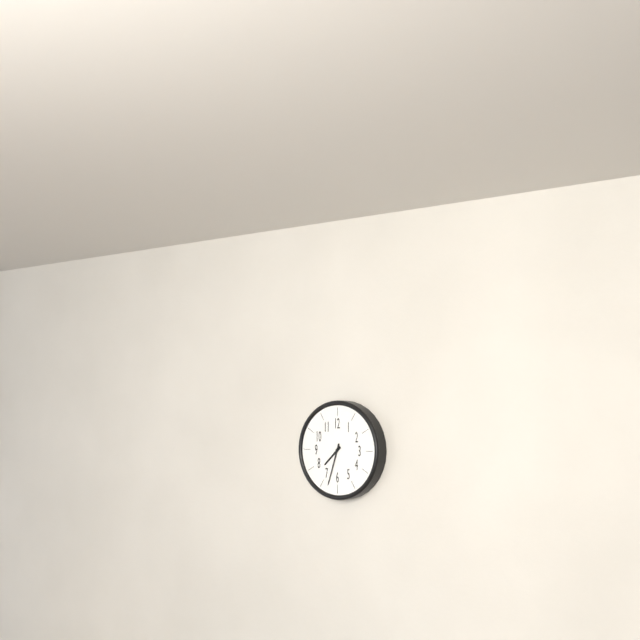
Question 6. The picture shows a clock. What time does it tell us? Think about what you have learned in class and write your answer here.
7:33
